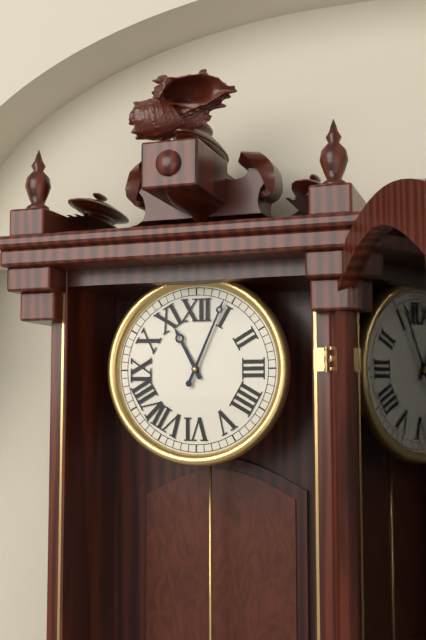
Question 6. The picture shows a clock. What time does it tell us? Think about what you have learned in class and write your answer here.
11:04
